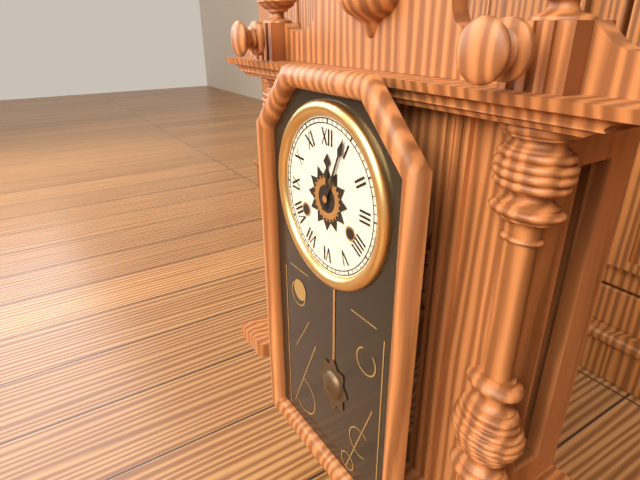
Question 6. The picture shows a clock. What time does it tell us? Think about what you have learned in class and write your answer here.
12:04
